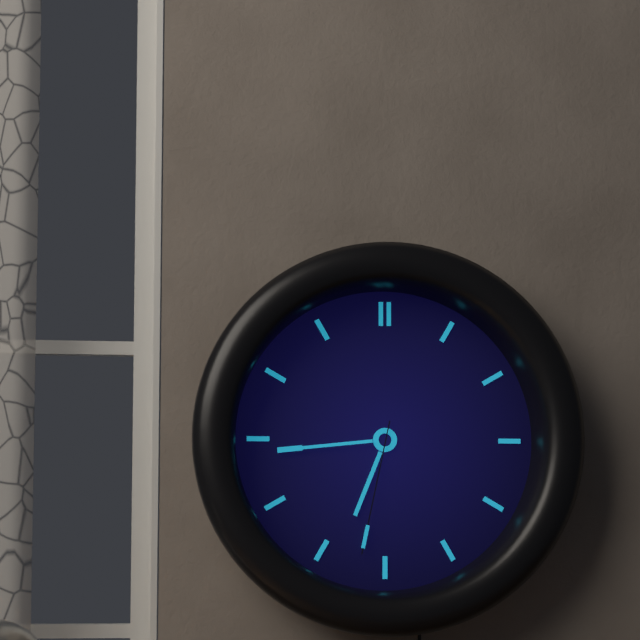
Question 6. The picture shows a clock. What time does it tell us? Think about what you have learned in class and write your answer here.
6:44:32
